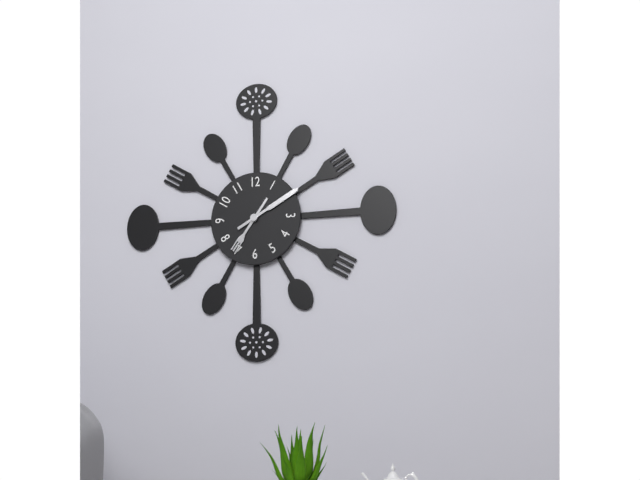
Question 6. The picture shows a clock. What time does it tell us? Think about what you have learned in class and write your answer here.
7:10
